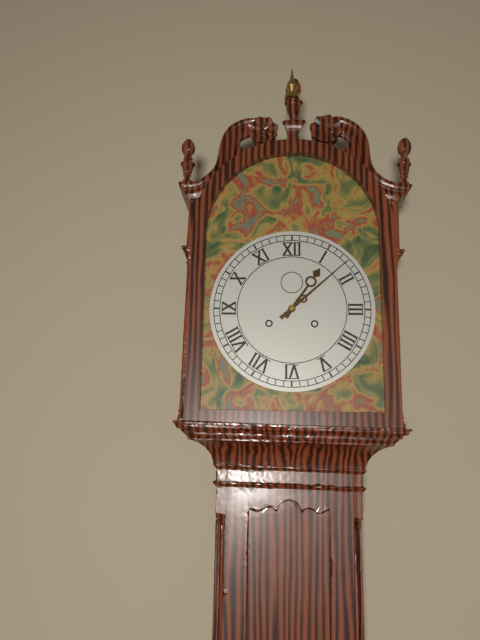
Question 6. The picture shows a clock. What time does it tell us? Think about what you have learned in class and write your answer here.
1:08
